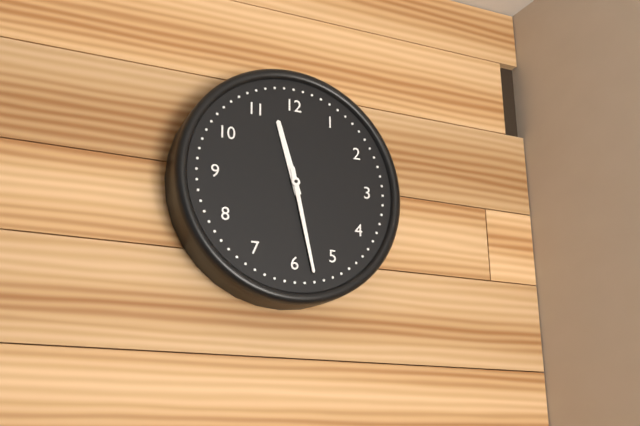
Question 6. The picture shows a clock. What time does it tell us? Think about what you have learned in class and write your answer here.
11:28
